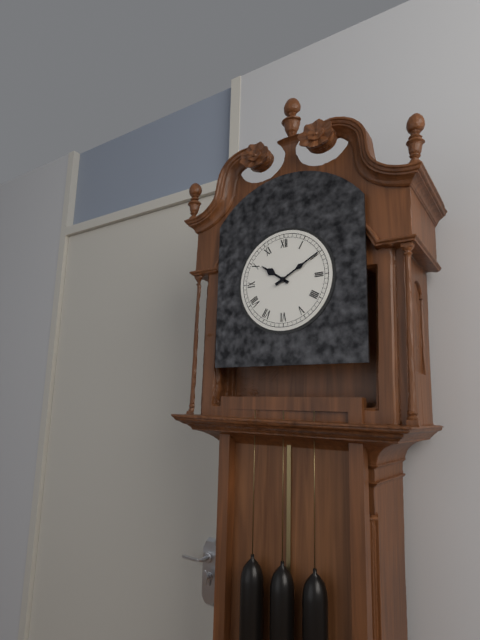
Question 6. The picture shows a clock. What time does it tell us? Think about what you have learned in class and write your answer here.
10:10
